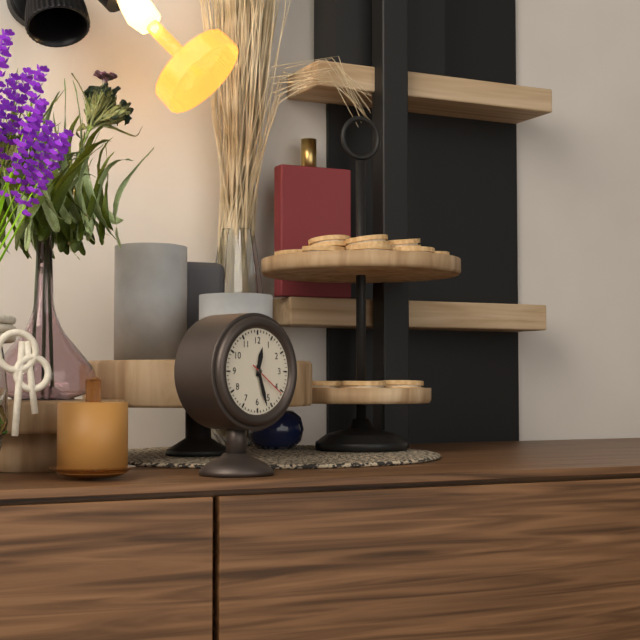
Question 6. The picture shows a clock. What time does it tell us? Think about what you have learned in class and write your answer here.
12:27
